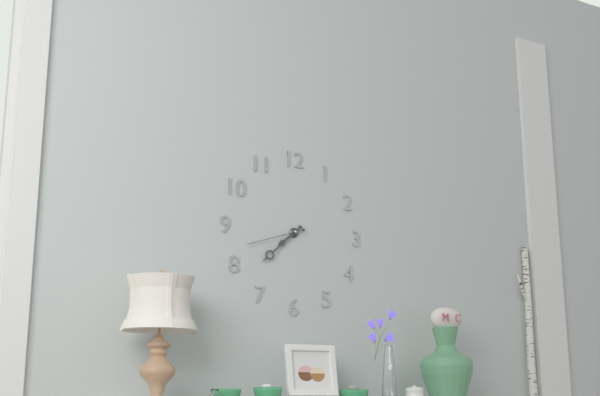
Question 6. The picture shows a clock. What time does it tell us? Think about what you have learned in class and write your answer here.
7:38:42
